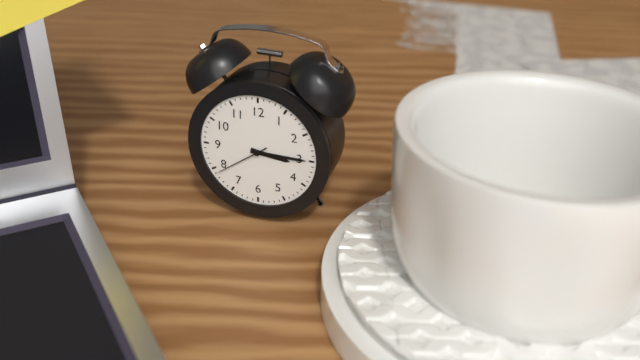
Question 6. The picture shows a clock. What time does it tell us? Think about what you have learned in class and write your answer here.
3:15:39
